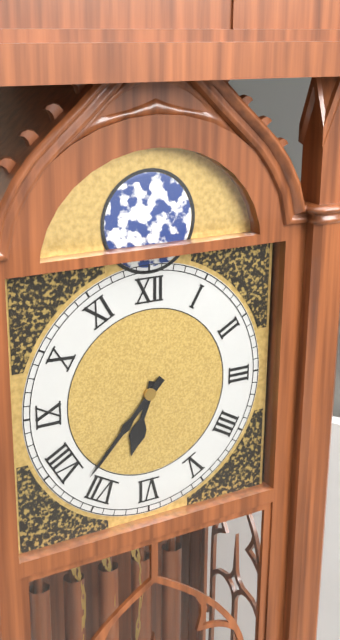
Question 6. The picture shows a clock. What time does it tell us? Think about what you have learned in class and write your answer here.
6:37
